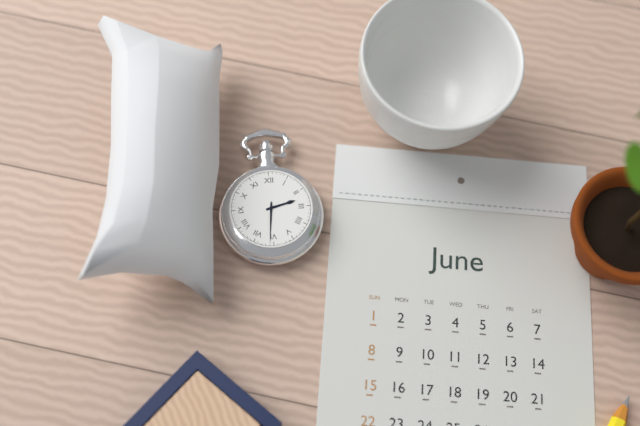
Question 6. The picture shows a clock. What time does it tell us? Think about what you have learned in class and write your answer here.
2:31
